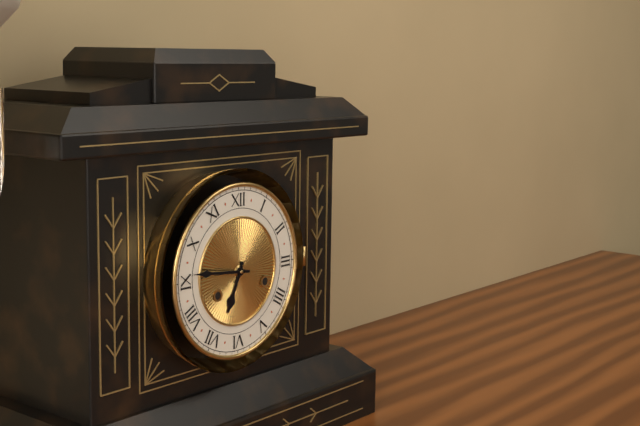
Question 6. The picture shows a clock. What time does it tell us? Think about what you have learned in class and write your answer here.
6:46
